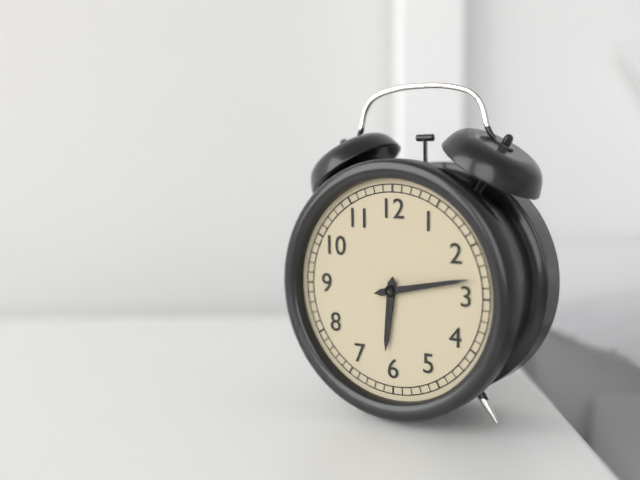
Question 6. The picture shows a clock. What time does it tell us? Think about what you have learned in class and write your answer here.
6:13
